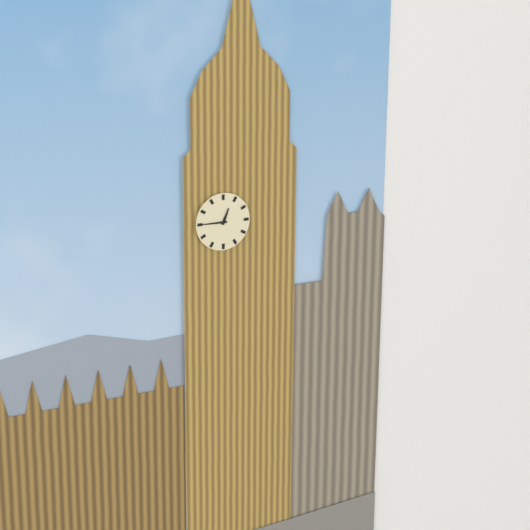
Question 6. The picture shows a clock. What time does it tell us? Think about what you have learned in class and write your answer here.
12:45
